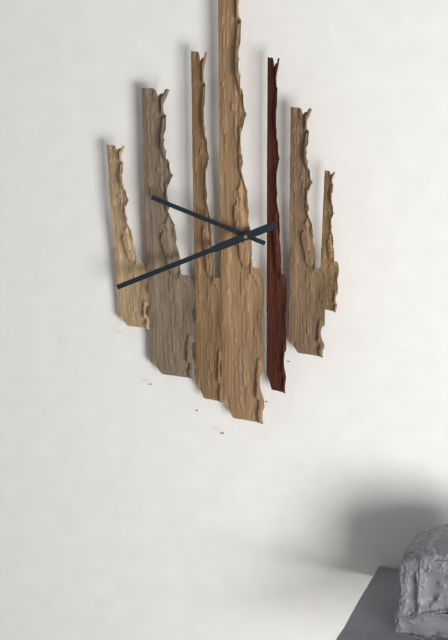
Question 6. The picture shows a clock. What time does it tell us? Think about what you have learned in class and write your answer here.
9:41
